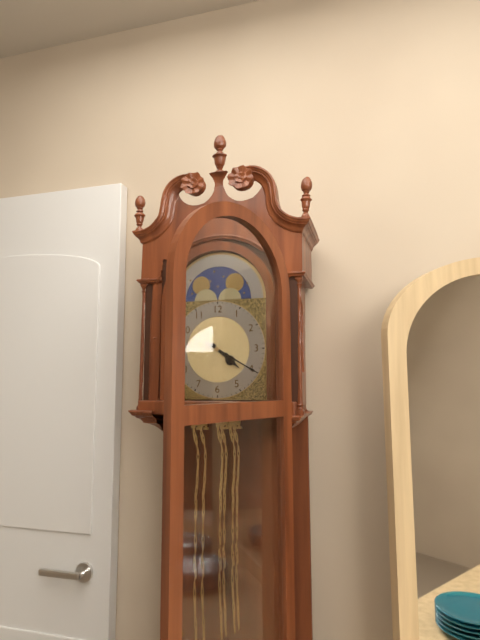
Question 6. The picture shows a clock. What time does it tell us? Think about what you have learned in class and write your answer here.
4:20
